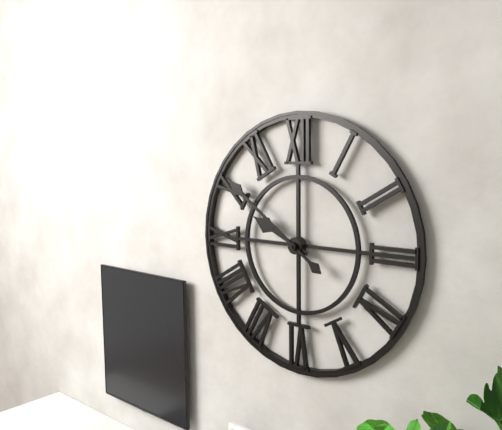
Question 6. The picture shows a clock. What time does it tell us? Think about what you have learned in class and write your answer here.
9:51
